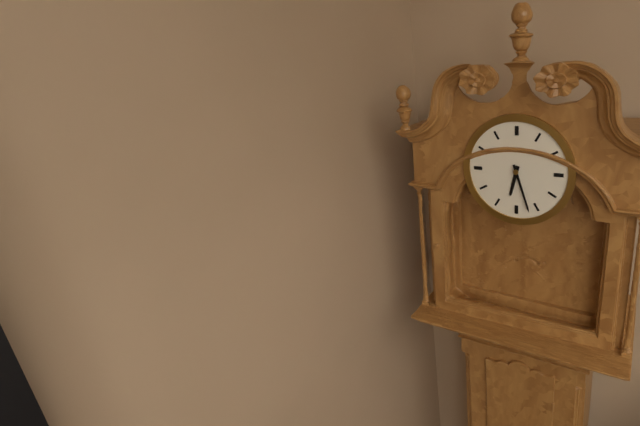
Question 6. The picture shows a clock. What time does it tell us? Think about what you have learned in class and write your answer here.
6:27
